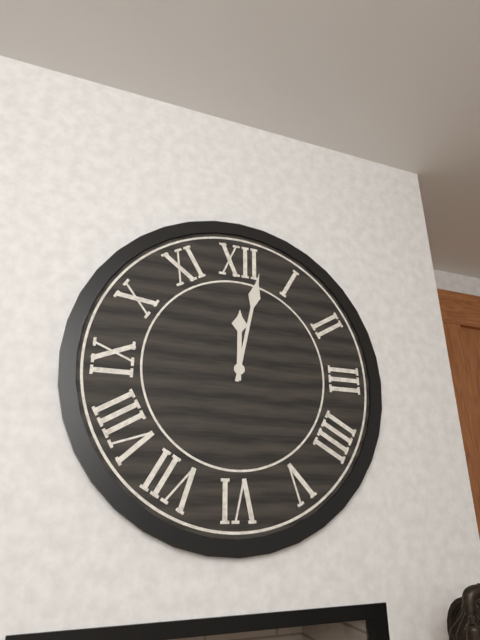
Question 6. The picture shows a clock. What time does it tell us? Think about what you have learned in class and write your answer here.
12:02
